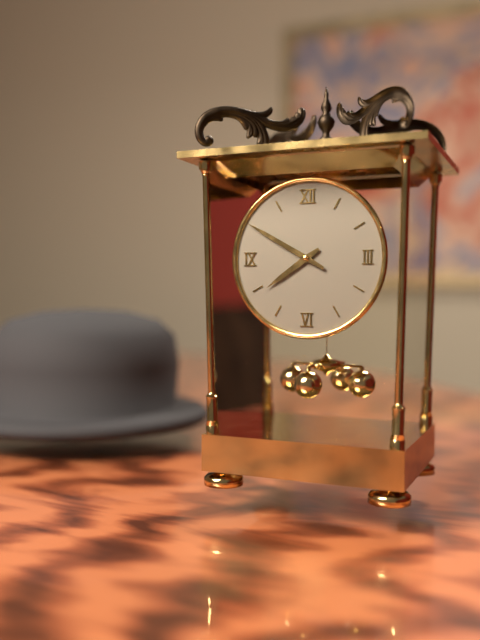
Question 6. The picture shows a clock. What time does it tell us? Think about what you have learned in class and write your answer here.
7:50
